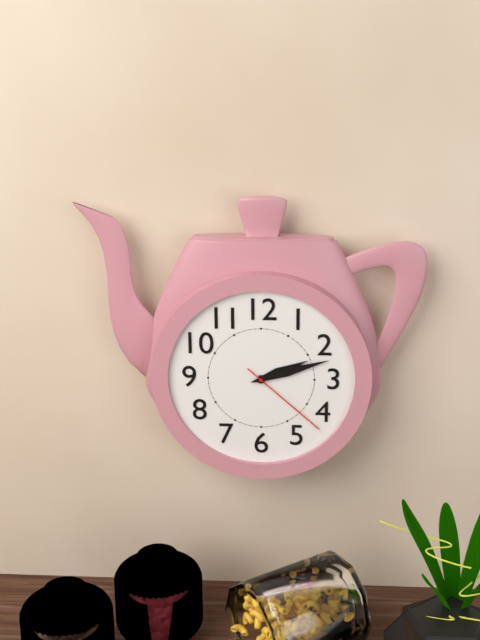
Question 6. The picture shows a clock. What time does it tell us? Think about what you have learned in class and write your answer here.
2:12:22
